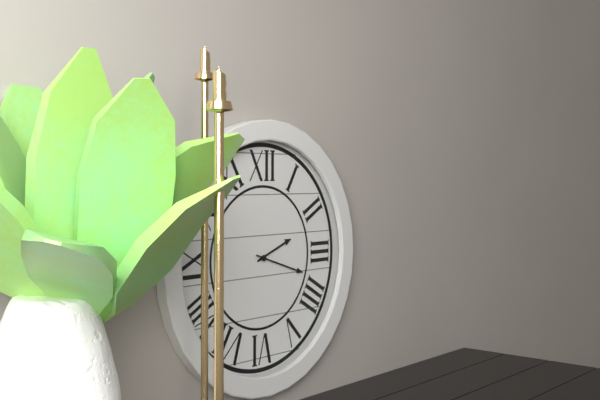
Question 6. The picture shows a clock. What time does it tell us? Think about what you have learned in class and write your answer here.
2:18
